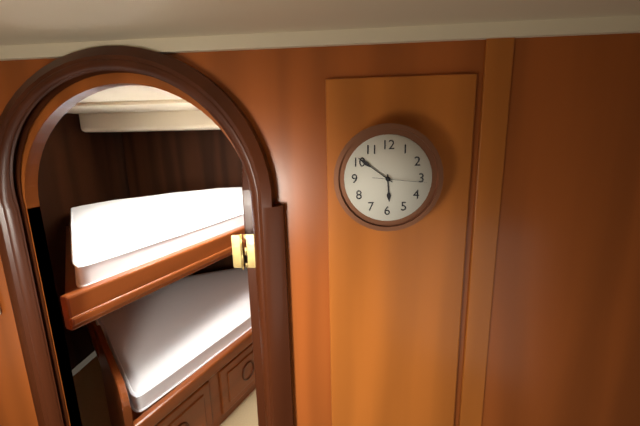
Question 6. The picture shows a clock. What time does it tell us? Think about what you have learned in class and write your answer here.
5:51:16
